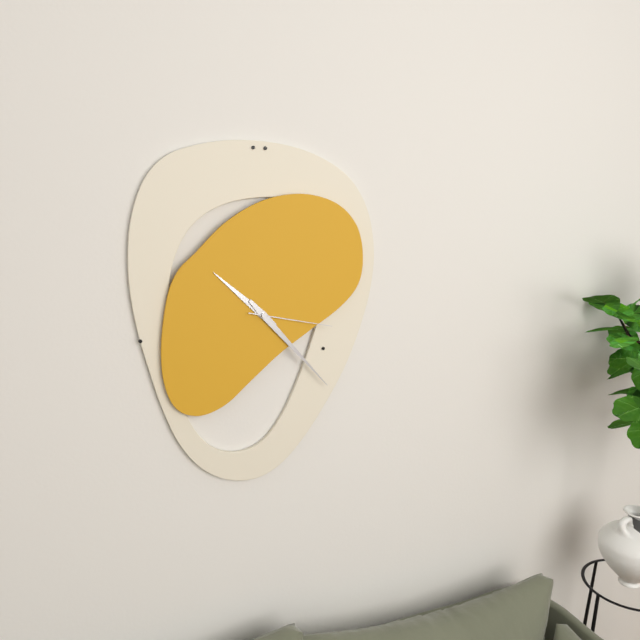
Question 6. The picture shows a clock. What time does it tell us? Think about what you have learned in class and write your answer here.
10:23:17
